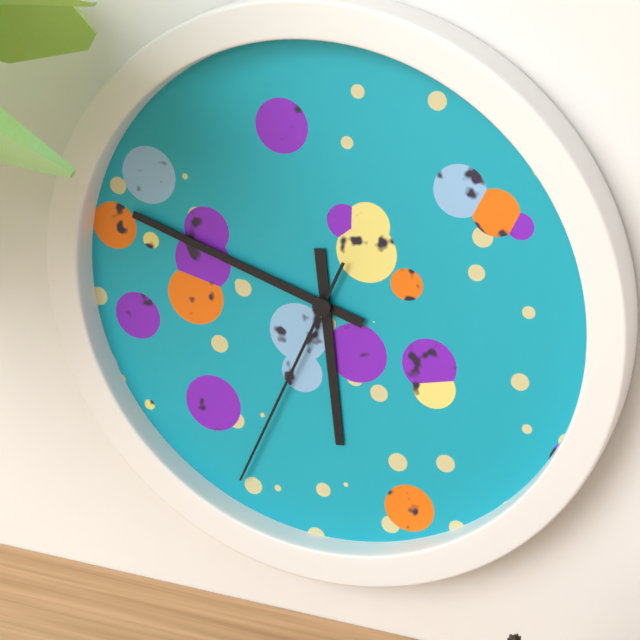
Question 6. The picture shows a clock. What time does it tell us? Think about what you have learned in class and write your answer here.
5:48:34
